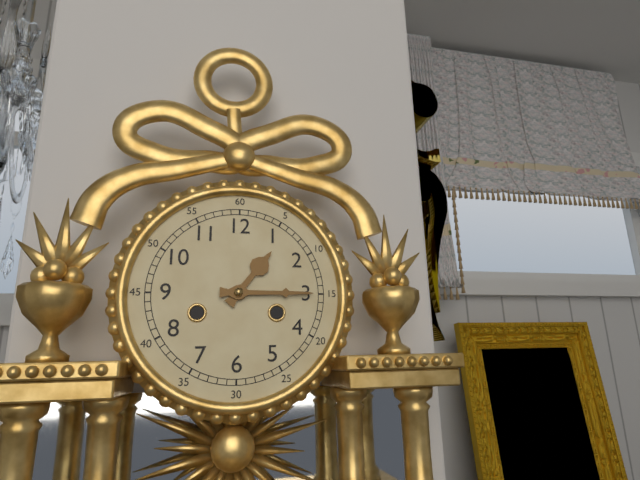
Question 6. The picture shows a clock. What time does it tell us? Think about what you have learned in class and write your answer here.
1:15
